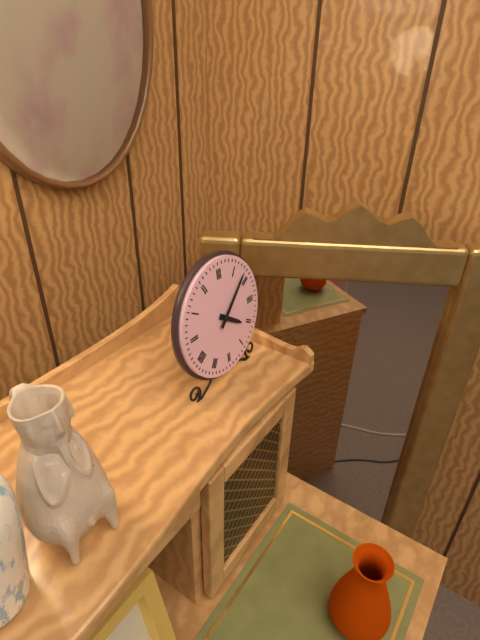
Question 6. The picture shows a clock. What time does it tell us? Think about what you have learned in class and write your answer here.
4:08
